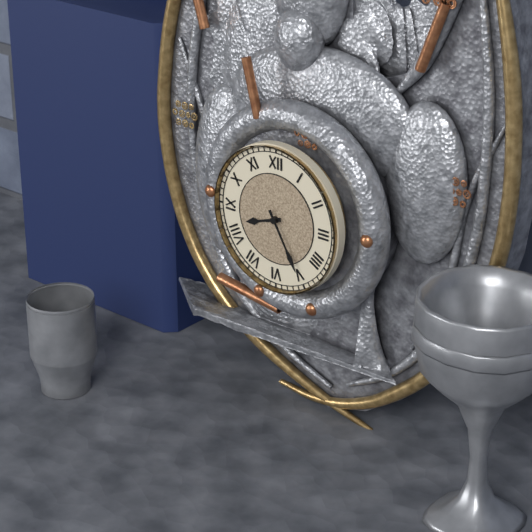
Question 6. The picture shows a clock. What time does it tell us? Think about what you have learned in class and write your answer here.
8:25
